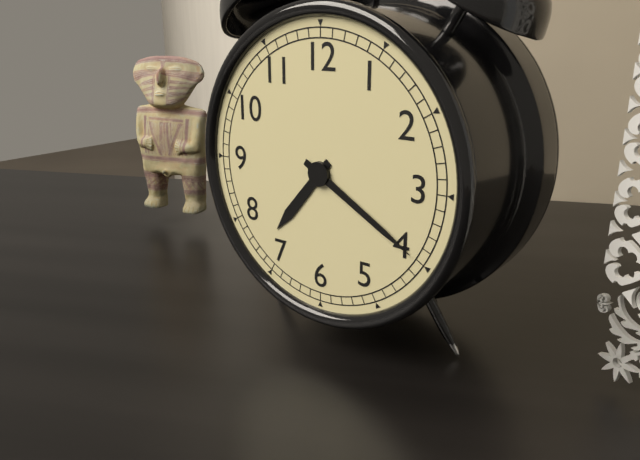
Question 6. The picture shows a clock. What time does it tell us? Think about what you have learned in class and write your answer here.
7:20
